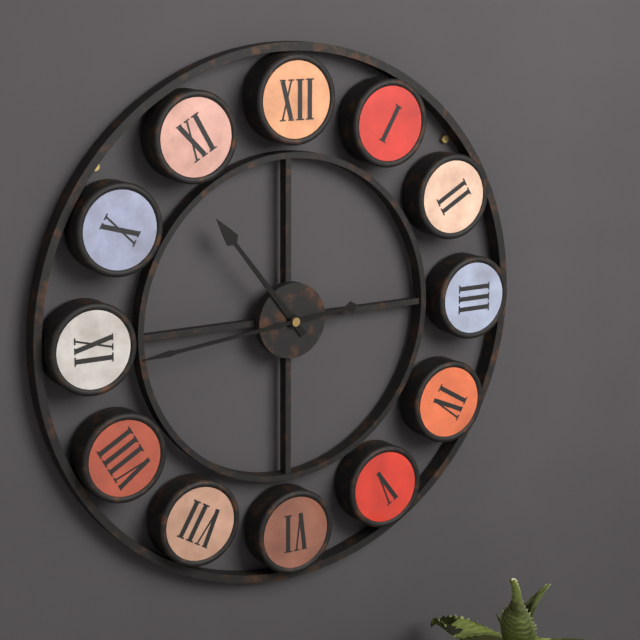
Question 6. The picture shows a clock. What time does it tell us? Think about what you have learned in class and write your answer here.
10:44
